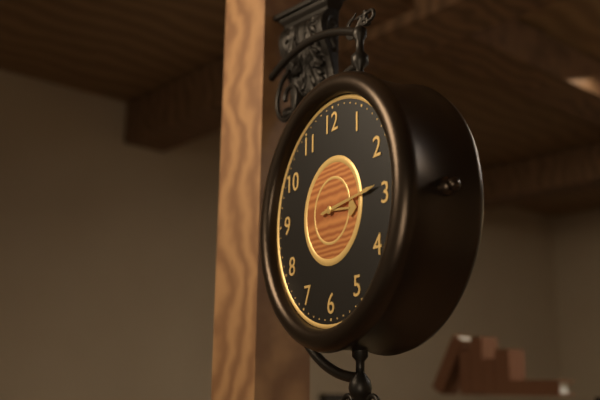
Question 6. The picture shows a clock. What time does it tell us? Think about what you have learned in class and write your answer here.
3:14
